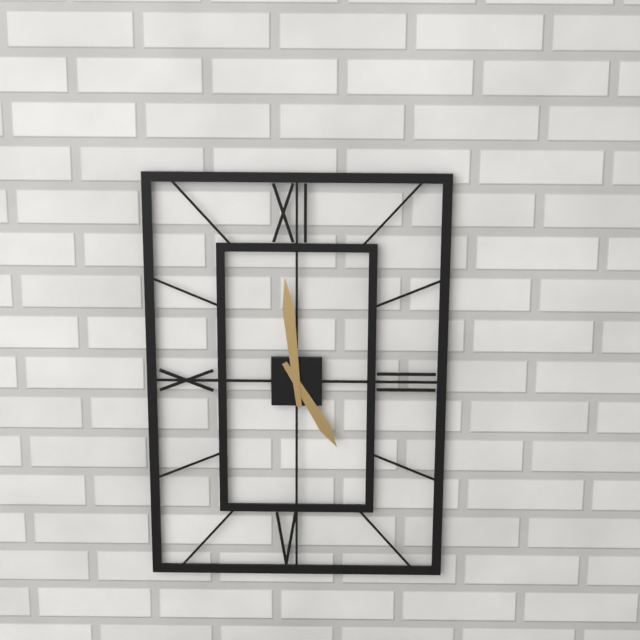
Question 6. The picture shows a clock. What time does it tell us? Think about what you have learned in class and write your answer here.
4:59
